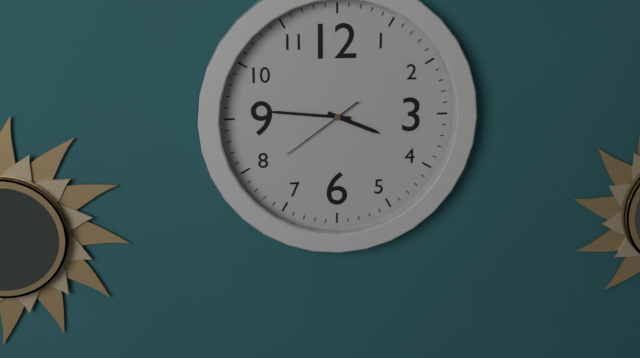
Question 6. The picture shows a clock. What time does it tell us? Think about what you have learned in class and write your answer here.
3:46:39
